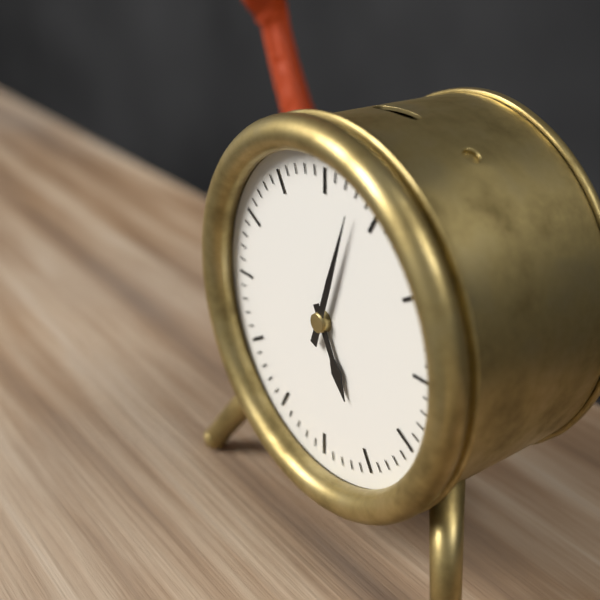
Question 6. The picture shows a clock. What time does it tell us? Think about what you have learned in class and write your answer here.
5:03
